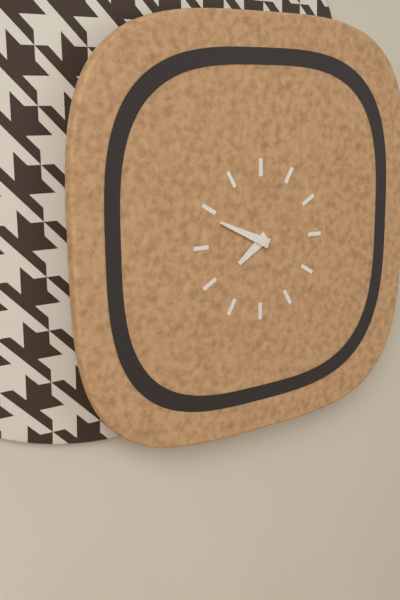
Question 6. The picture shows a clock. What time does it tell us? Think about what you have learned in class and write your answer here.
7:49
